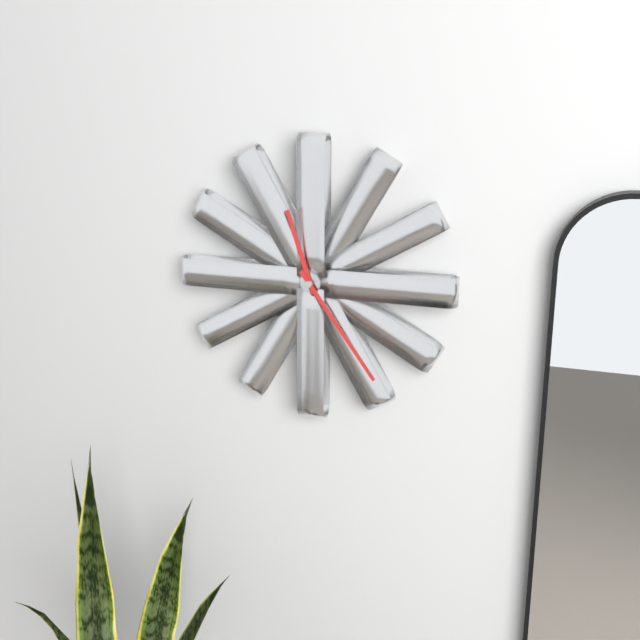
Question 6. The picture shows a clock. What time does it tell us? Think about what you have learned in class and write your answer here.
11:24
